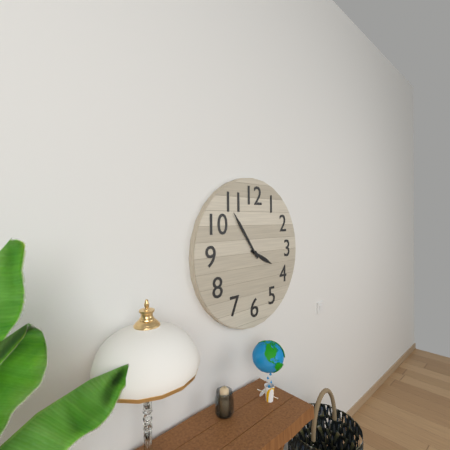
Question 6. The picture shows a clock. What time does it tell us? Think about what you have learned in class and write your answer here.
3:54
